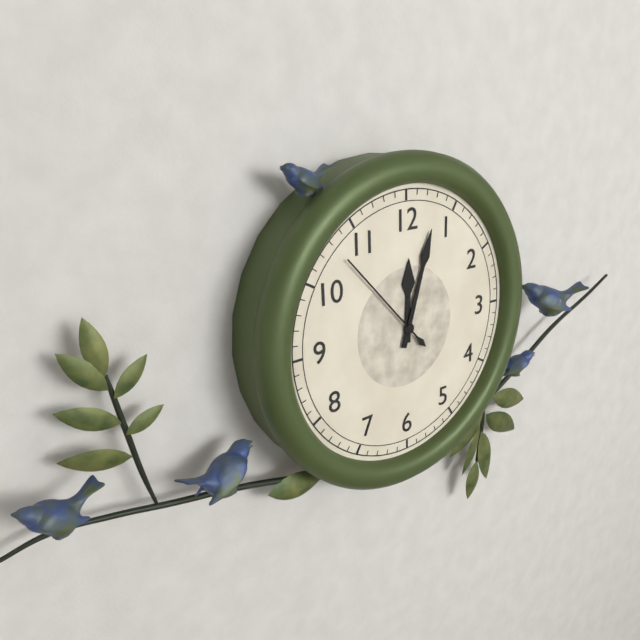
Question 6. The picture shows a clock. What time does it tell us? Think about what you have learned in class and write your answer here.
12:03:53
